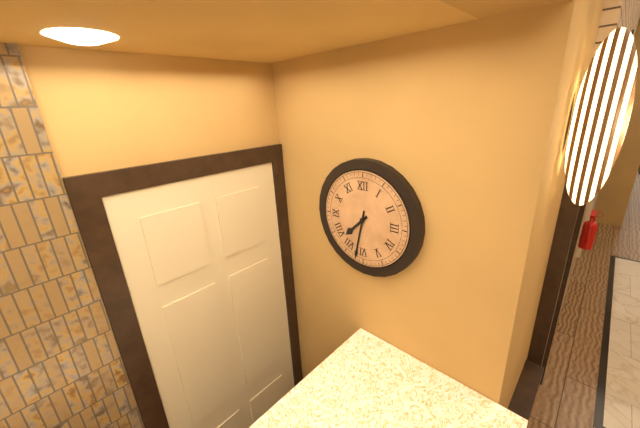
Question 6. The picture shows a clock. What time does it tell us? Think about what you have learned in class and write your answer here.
7:32
